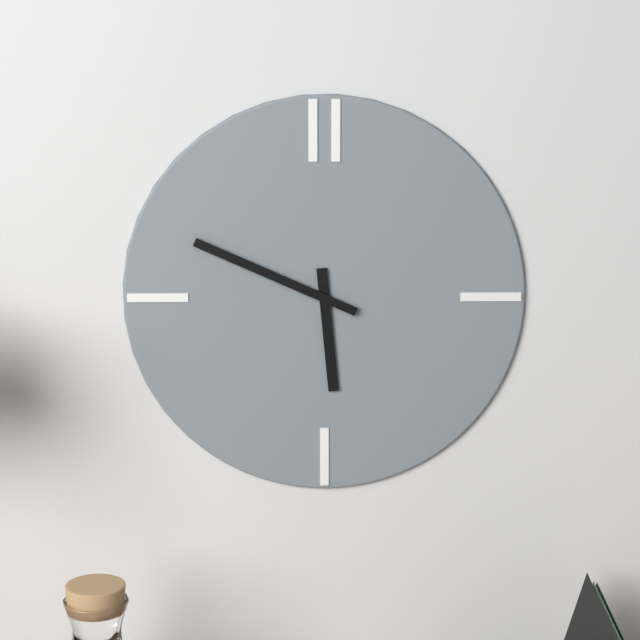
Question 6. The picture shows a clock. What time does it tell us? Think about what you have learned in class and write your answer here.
5:49
